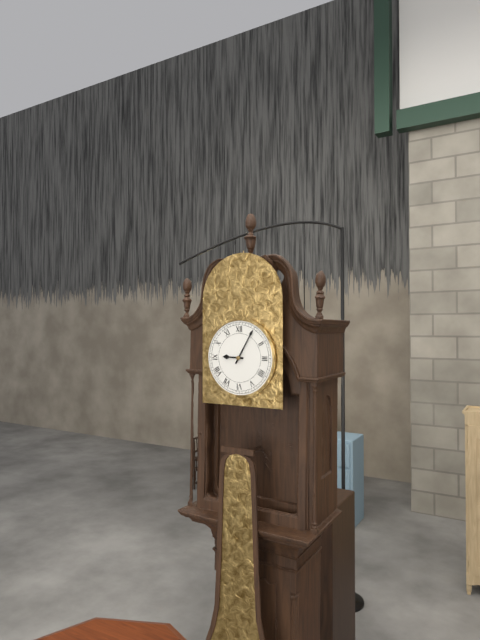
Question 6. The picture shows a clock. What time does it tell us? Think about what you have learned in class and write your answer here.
9:05
